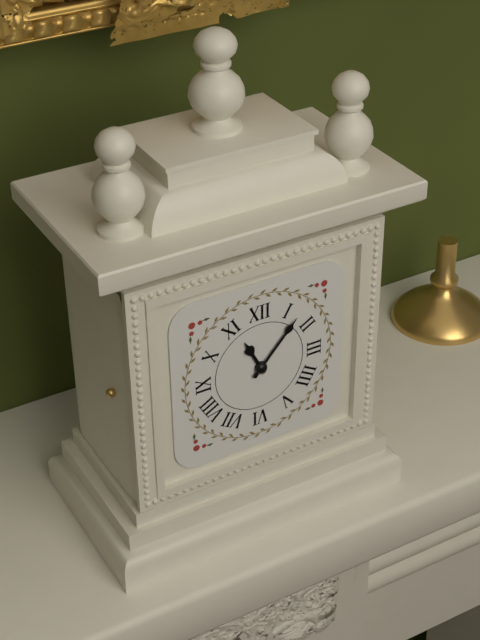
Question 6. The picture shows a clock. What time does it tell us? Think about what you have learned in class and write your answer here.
11:07
